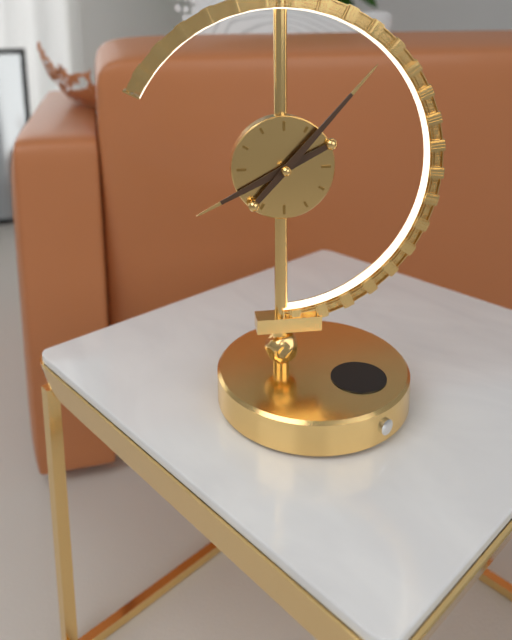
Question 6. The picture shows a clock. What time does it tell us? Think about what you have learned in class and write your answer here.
8:07
